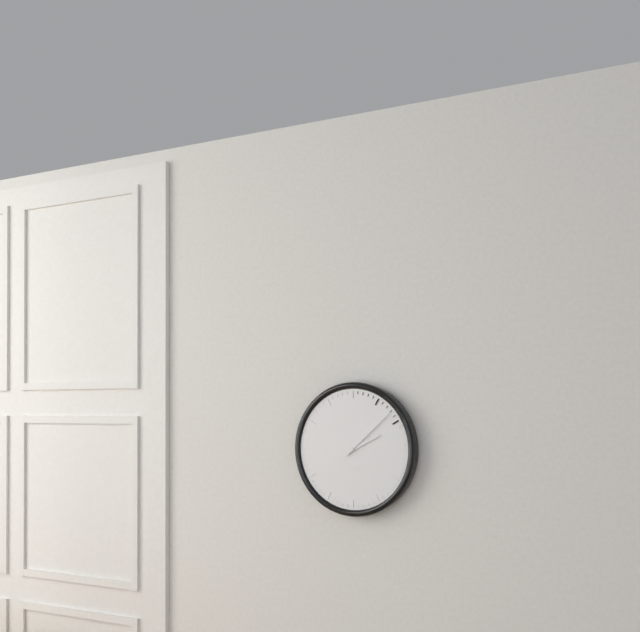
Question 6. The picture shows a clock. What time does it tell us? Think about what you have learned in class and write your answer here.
2:08
